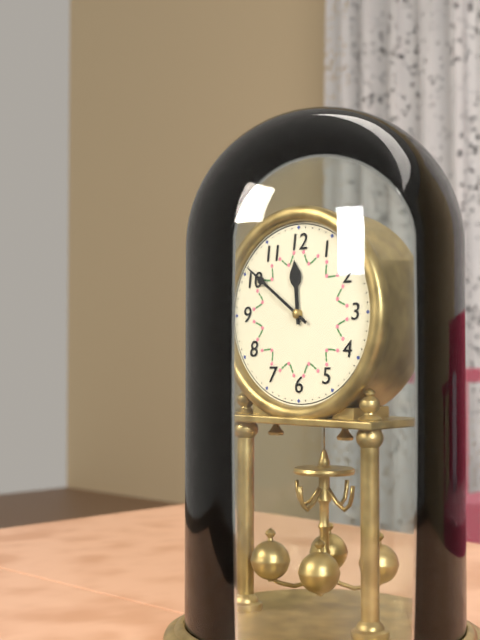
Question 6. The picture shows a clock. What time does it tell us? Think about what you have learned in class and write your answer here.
11:51
